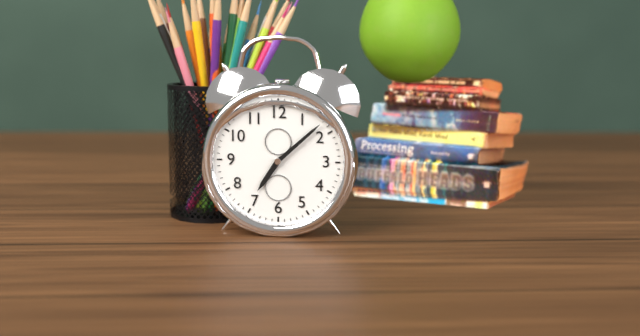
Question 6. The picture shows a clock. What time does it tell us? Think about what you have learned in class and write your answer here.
7:08
